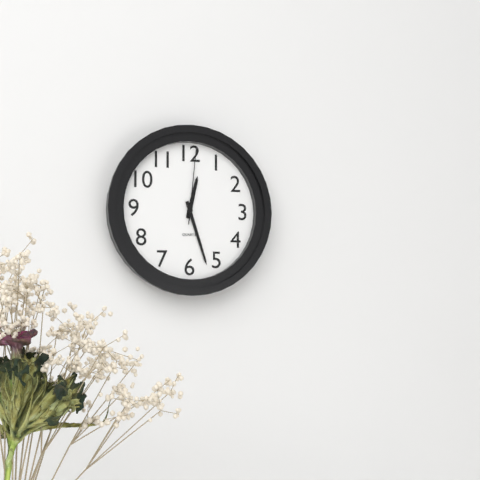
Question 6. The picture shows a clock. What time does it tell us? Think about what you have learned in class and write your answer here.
12:27:01
